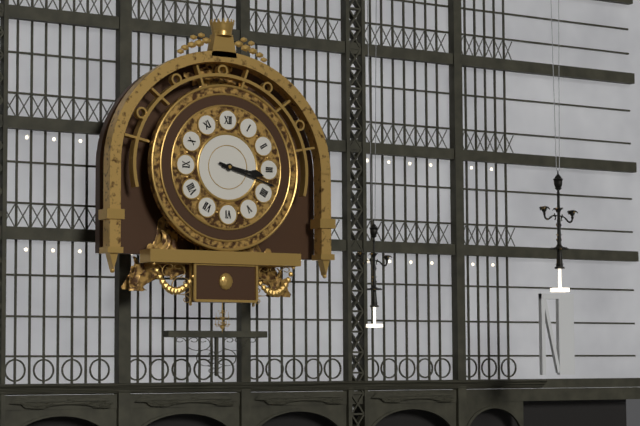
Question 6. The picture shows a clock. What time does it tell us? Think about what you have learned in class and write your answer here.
3:18
